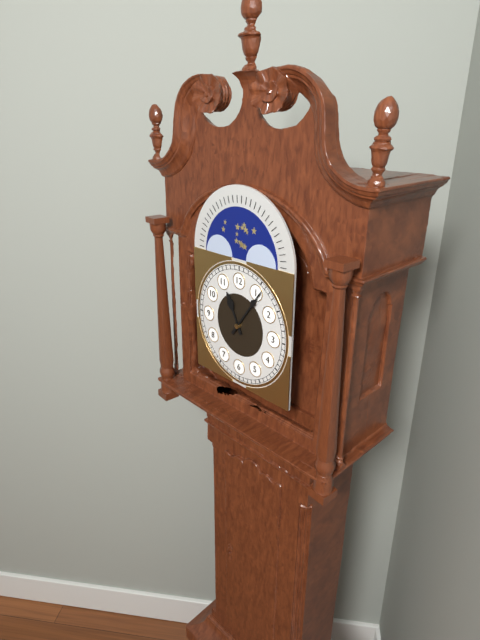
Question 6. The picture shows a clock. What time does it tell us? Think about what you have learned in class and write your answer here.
11:06
